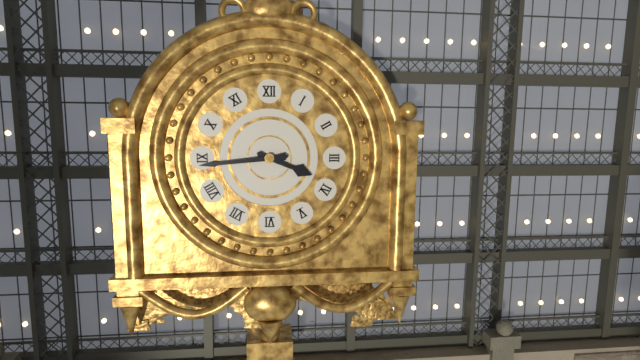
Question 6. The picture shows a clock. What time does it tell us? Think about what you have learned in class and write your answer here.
3:44
